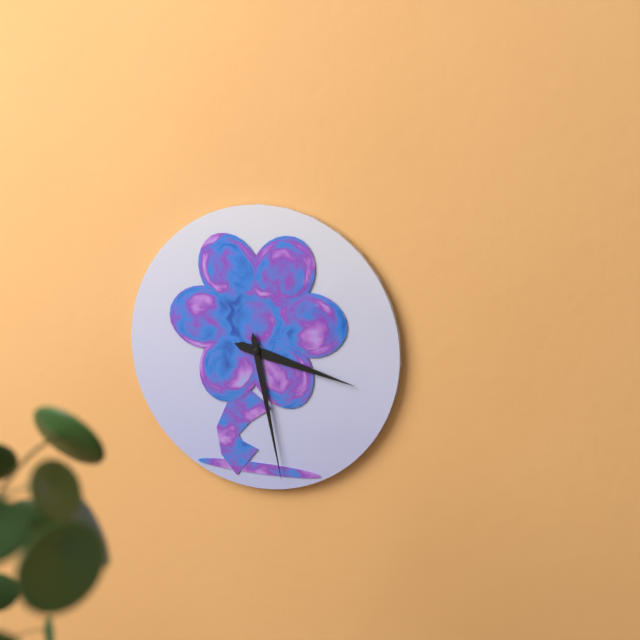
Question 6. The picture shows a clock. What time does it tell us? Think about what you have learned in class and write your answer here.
3:28
